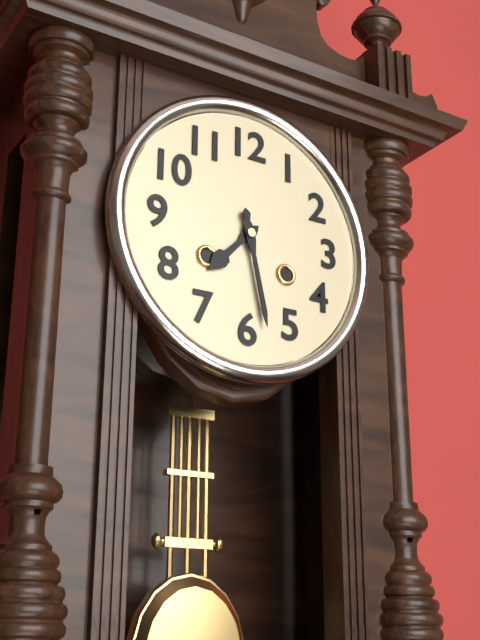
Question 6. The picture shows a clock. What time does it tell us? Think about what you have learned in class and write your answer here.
7:28
